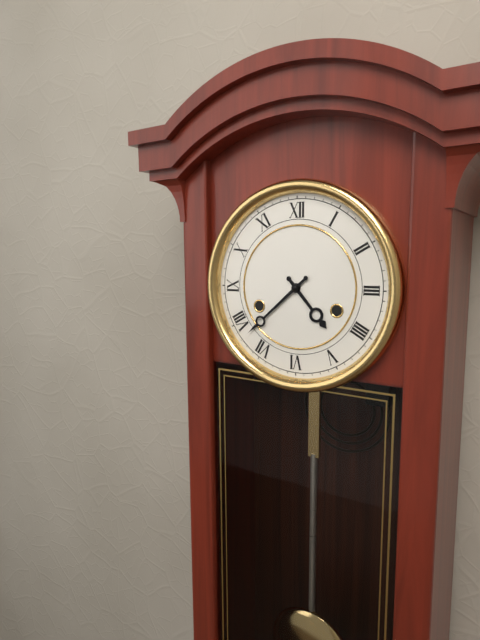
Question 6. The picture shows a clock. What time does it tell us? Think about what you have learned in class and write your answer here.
4:38
